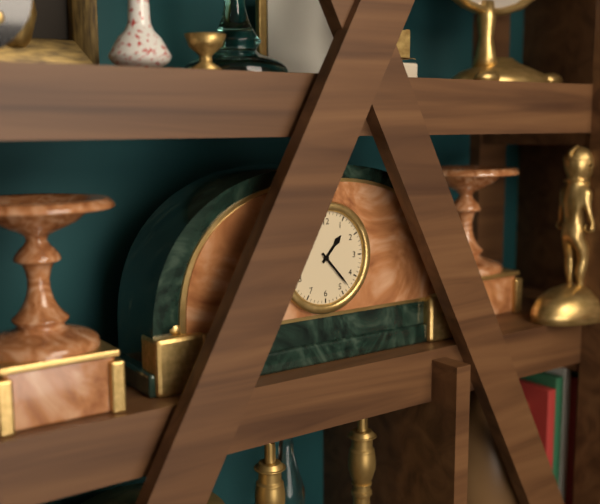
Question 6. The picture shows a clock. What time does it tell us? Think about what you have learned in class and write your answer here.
1:23
